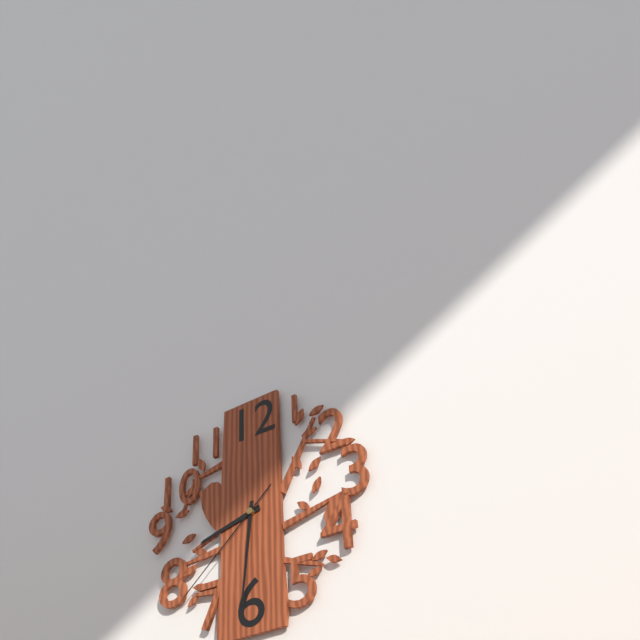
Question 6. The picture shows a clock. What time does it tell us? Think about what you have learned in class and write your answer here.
8:31:38
